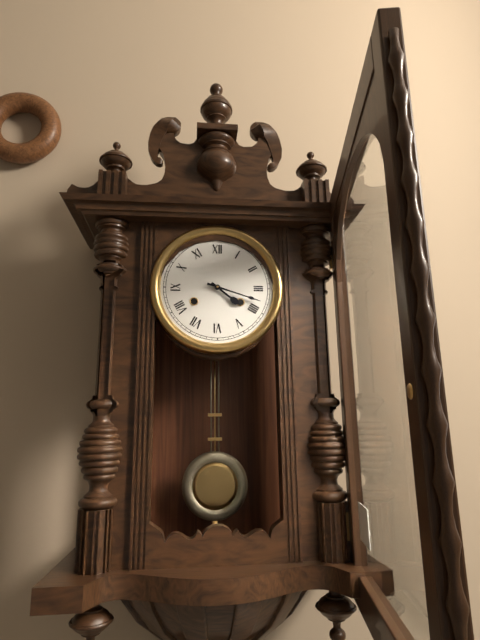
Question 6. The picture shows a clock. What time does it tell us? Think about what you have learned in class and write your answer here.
4:18
